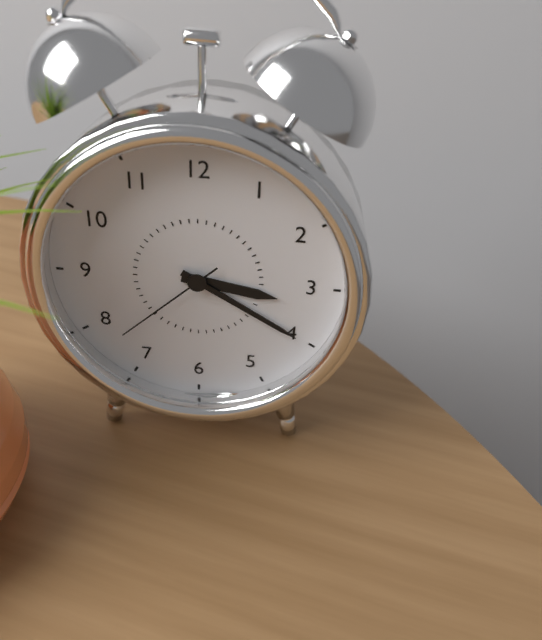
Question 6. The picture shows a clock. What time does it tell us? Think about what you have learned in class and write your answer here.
3:20:38
